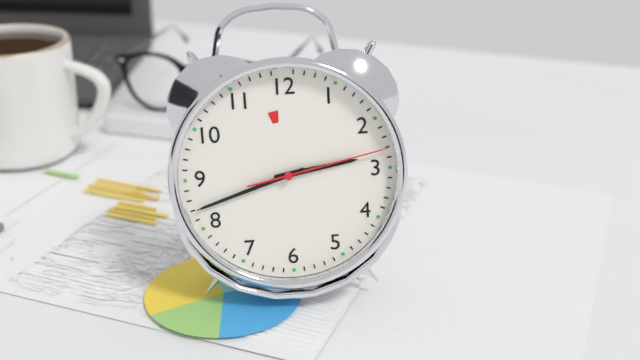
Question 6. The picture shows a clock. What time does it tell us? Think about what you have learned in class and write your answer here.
2:42:13
